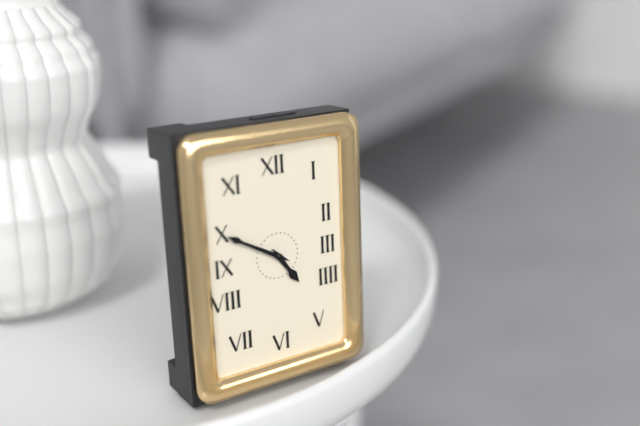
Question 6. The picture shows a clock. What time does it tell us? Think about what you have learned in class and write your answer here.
4:50
